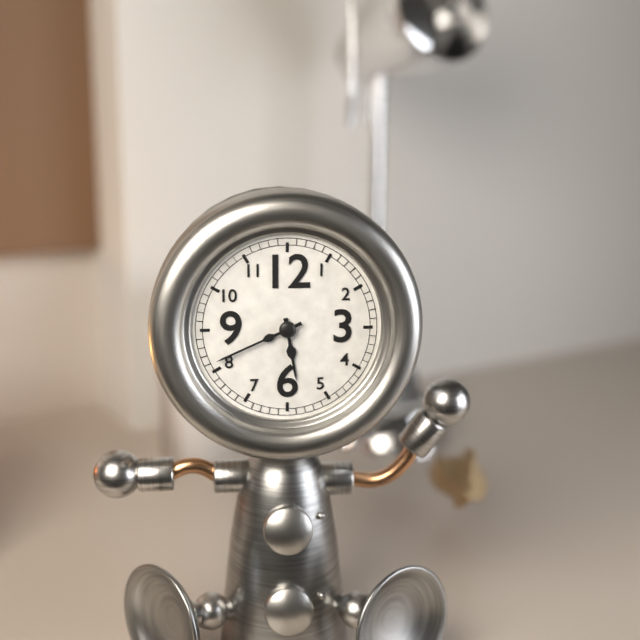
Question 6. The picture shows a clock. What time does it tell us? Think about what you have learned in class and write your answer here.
5:41
